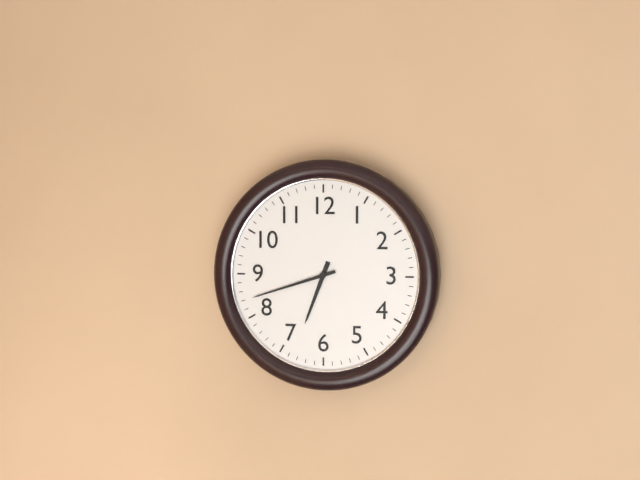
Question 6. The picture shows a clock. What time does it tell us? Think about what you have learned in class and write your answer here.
6:42
